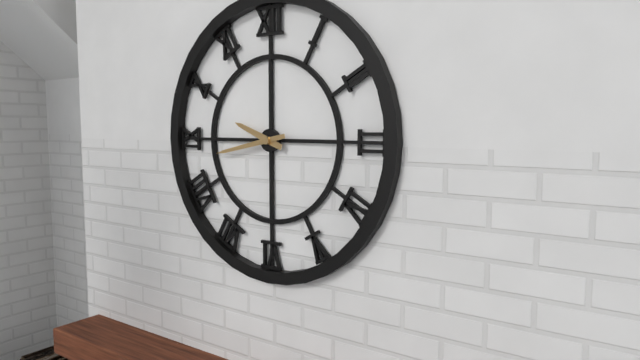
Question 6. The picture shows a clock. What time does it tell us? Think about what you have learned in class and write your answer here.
9:43
